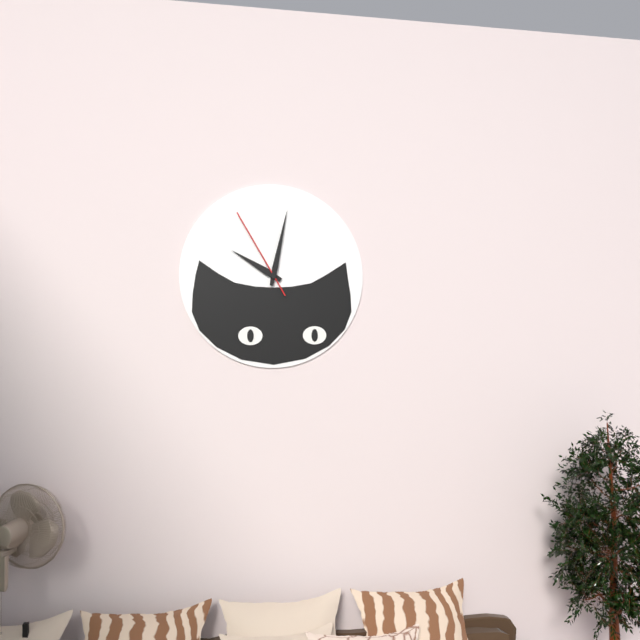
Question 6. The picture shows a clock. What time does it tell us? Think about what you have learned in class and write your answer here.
10:02:55
